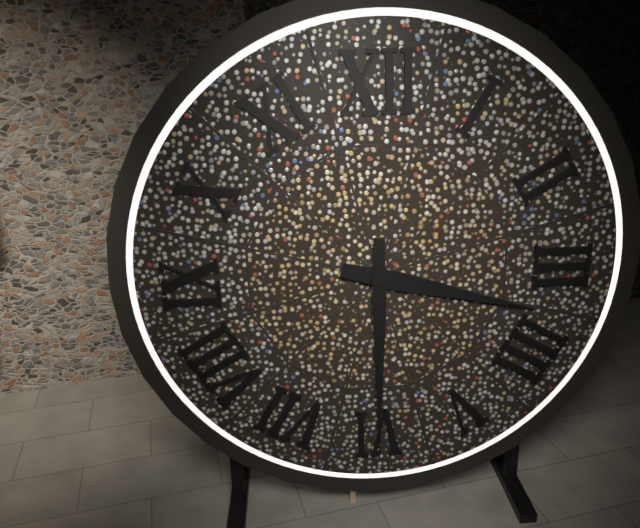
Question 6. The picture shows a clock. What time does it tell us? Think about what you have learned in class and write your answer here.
3:30
